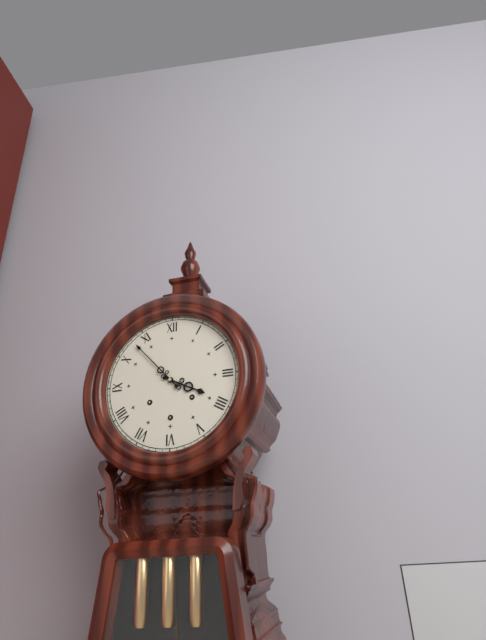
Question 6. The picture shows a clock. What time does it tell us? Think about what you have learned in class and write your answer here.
3:53
